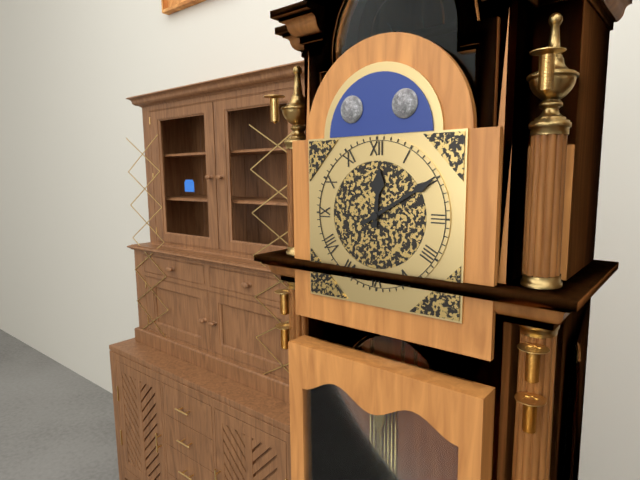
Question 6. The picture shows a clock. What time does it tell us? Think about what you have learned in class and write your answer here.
12:10
